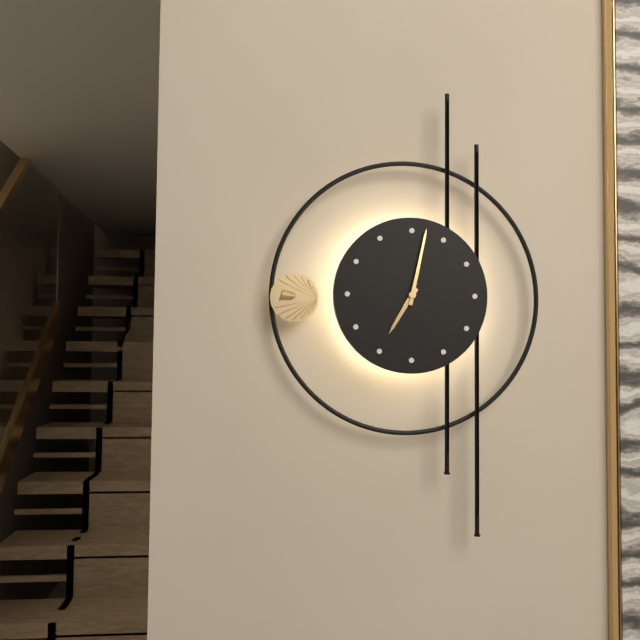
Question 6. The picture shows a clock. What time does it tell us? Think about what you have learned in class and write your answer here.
7:02
